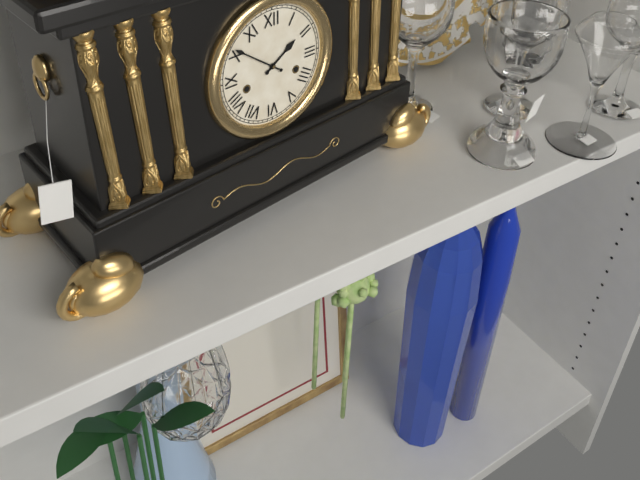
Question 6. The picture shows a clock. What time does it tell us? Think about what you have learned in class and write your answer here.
1:51
